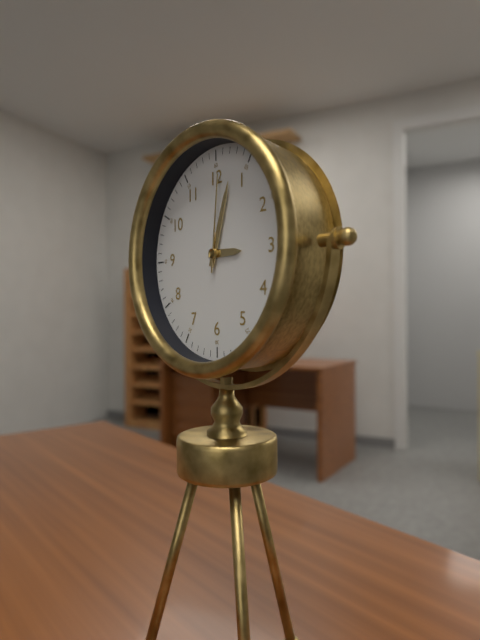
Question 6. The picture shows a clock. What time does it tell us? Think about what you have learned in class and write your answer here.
3:03:01
